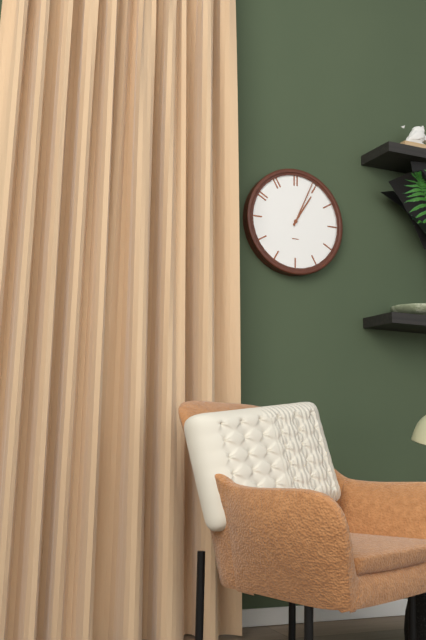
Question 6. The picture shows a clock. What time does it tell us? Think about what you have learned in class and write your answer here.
1:04
